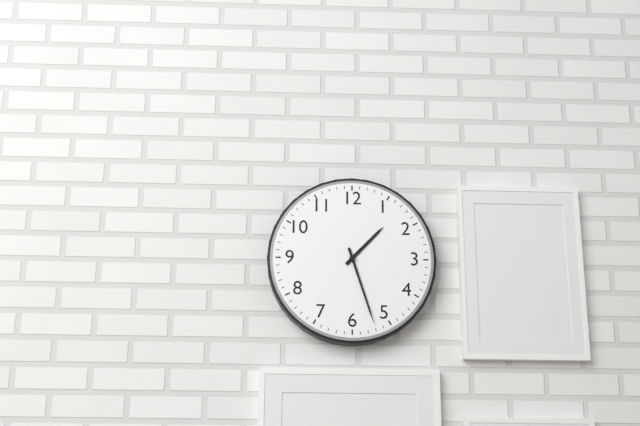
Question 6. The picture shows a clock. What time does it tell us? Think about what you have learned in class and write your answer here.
1:27
